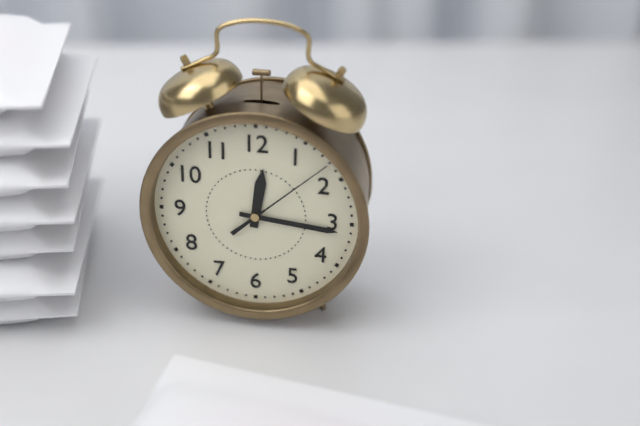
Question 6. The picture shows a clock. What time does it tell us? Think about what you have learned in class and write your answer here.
12:16:08
